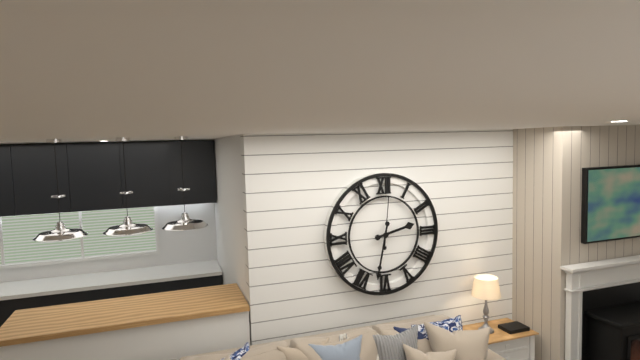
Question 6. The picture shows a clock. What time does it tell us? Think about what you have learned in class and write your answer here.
2:32
